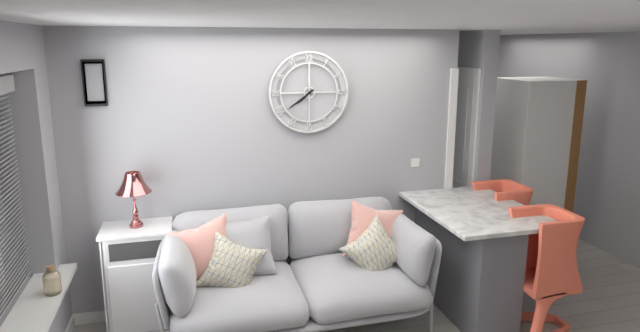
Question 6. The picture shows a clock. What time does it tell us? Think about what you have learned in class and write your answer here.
7:39
